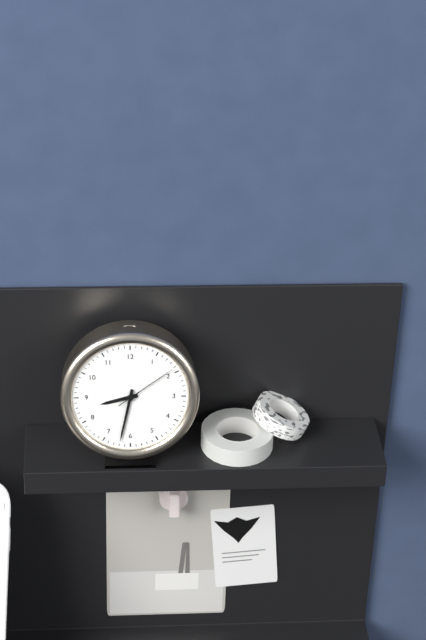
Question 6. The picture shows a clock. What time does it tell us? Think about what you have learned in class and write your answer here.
8:32:09
